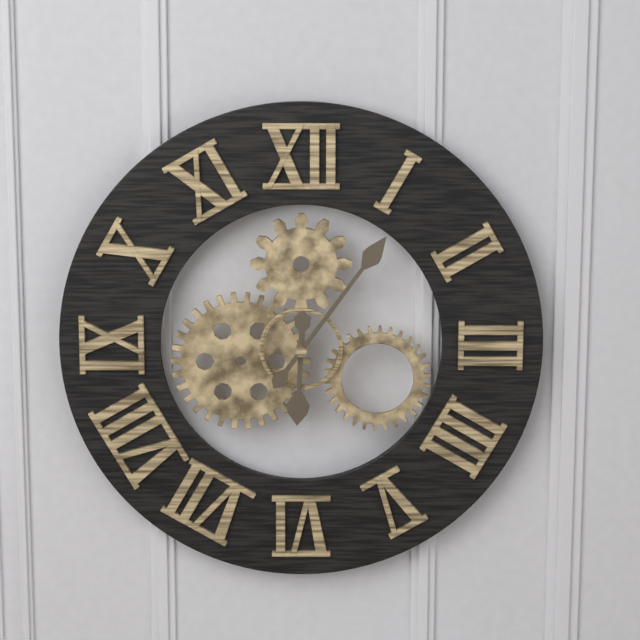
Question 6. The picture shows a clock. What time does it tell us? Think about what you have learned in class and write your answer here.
6:06
